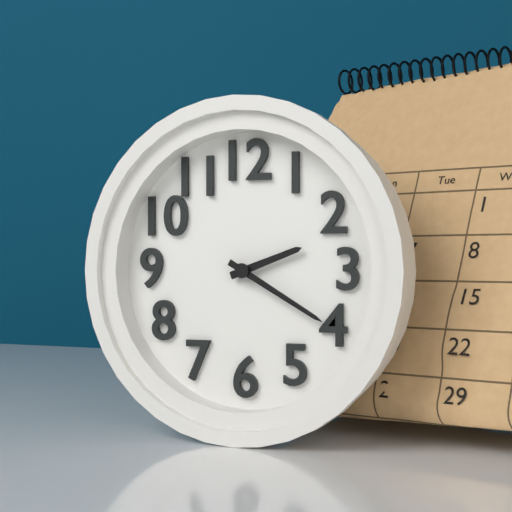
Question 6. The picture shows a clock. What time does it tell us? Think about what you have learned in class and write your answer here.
2:20
